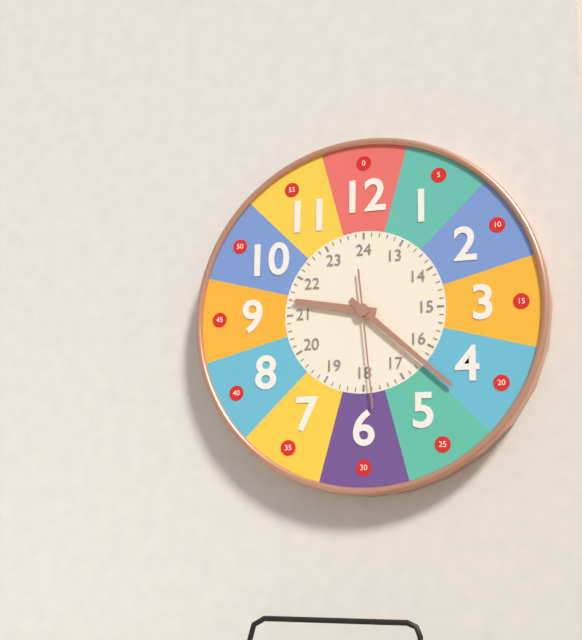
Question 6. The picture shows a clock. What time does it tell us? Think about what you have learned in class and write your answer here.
9:22:29
